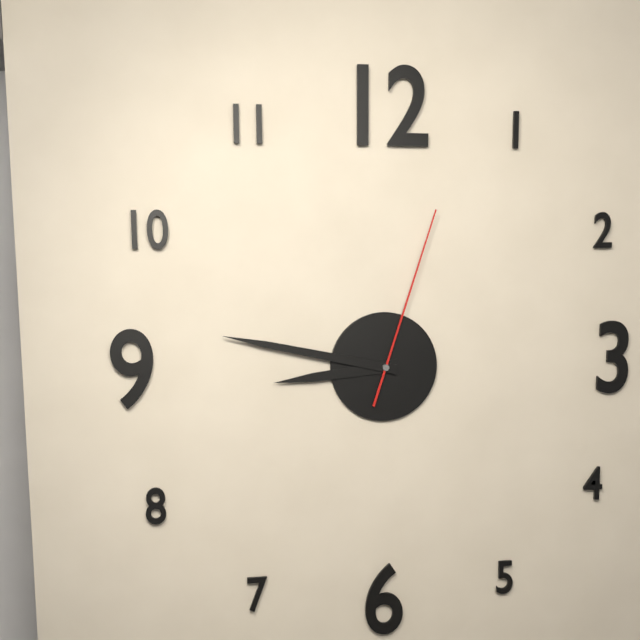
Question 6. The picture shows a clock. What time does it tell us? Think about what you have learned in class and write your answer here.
8:47:03
